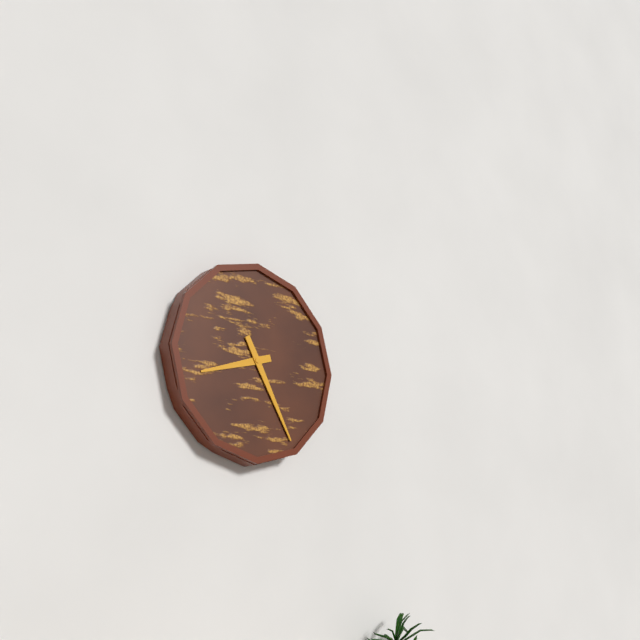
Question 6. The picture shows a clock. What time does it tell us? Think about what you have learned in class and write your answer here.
8:25
